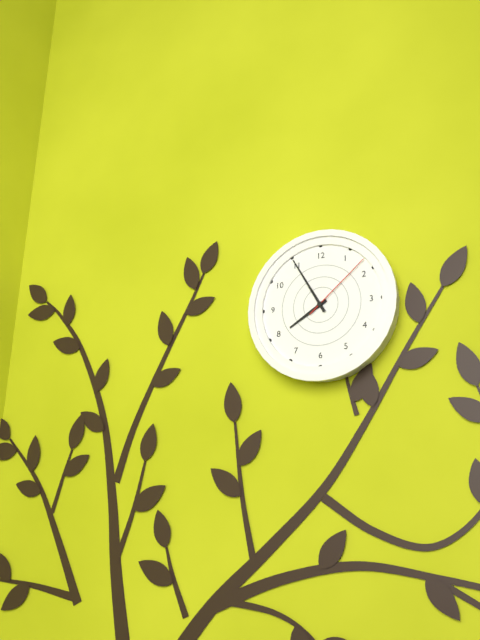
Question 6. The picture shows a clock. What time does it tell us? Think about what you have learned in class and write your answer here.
7:55:08
